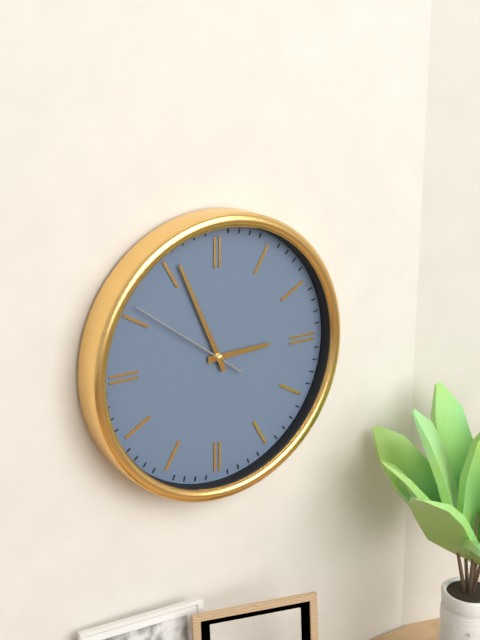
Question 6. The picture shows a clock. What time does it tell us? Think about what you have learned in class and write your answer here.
2:56:51
